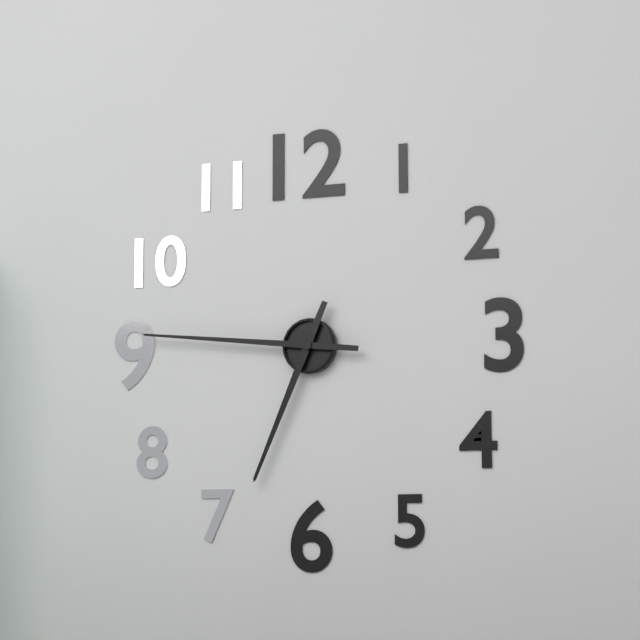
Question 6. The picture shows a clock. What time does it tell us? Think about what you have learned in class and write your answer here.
6:46
